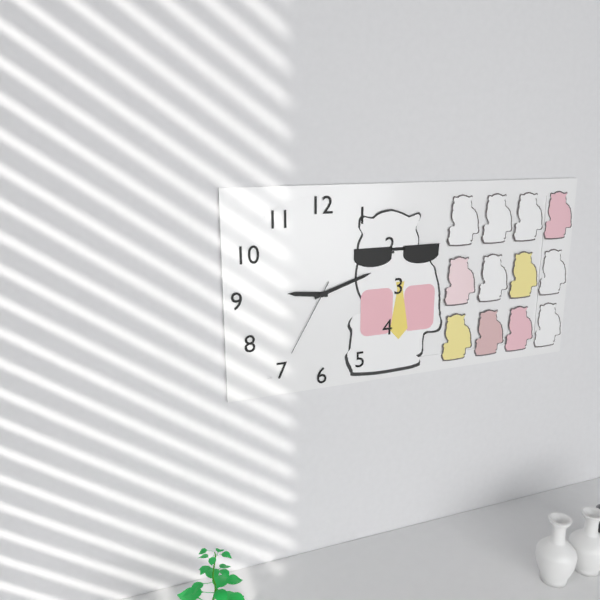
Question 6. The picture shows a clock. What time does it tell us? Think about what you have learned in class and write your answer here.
9:12:35
